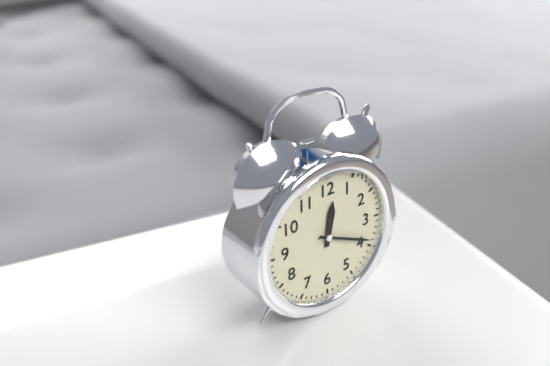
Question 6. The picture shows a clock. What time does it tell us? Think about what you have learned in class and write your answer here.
12:19
